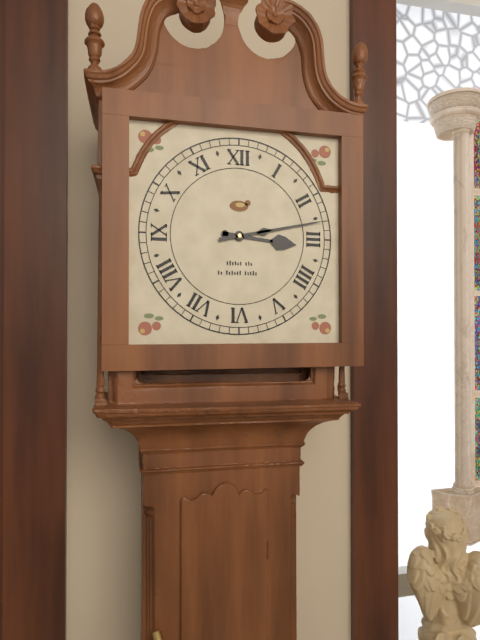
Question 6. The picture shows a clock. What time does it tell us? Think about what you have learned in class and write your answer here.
3:13
